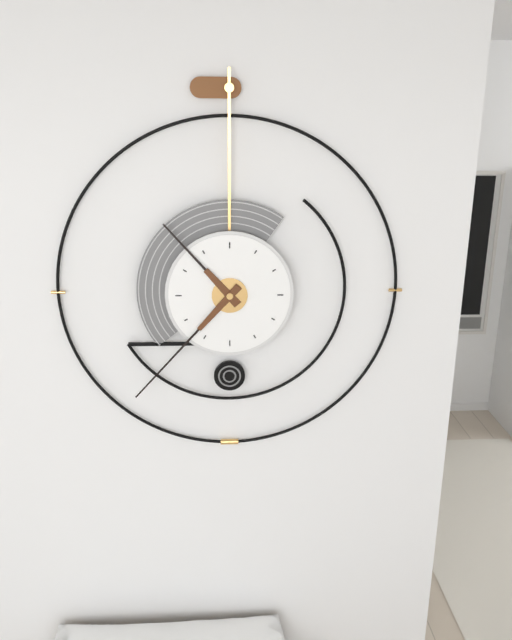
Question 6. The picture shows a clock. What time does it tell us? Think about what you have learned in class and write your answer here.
10:37
